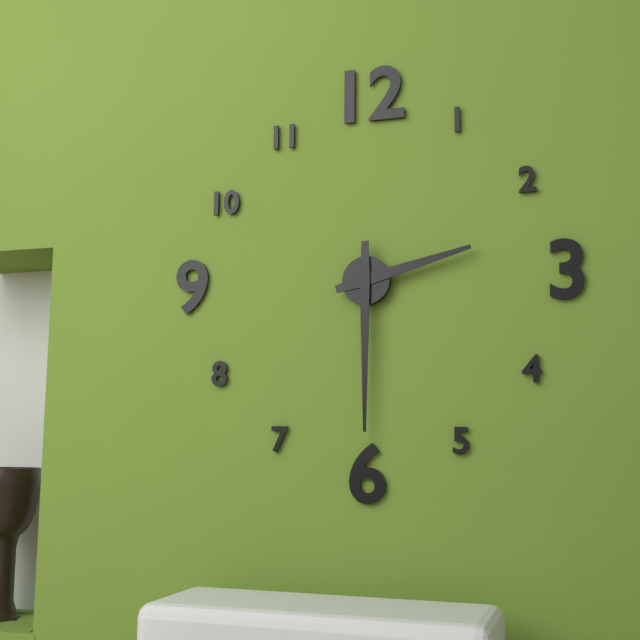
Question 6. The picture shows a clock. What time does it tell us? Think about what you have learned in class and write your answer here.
2:30
